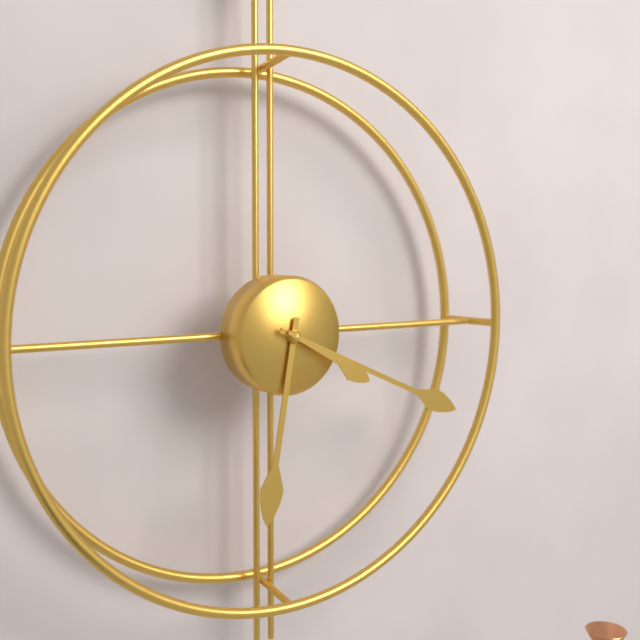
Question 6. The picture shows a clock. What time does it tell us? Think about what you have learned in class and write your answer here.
6:19:20
